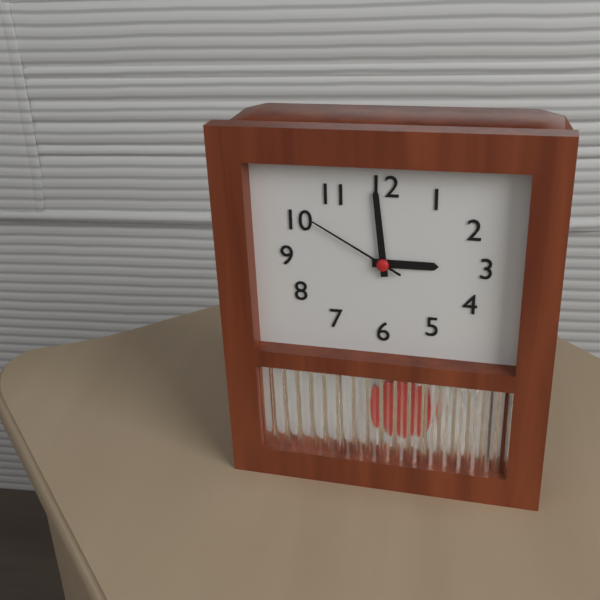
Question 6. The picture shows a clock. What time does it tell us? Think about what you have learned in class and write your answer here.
2:59:50
